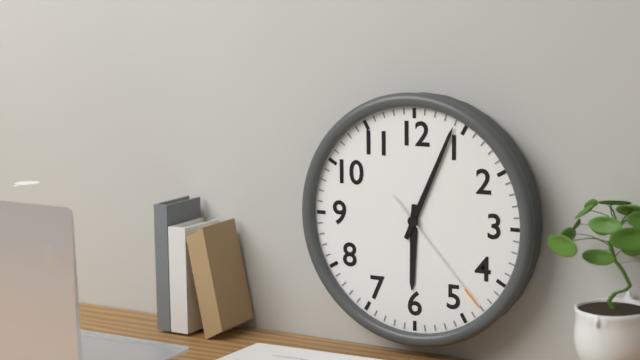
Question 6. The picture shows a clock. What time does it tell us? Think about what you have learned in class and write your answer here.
6:04:23
